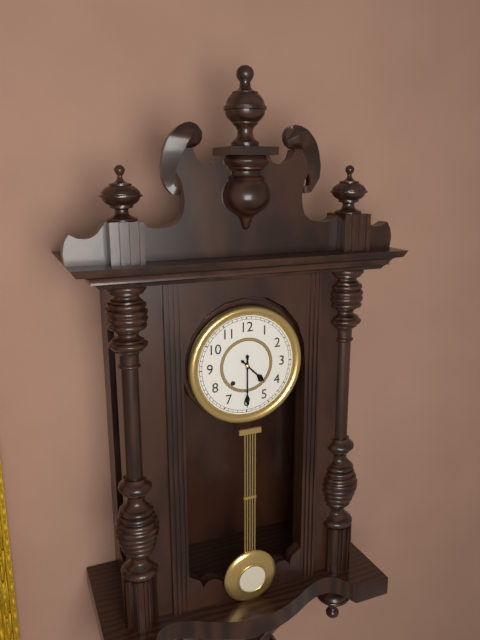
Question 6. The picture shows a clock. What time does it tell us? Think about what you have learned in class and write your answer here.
4:30
